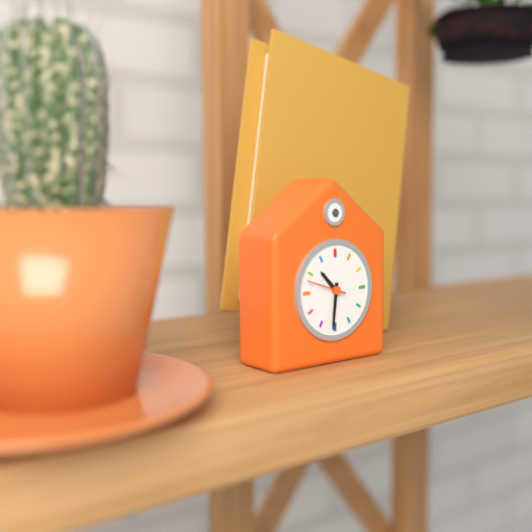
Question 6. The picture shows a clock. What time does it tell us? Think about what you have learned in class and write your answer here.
10:31
